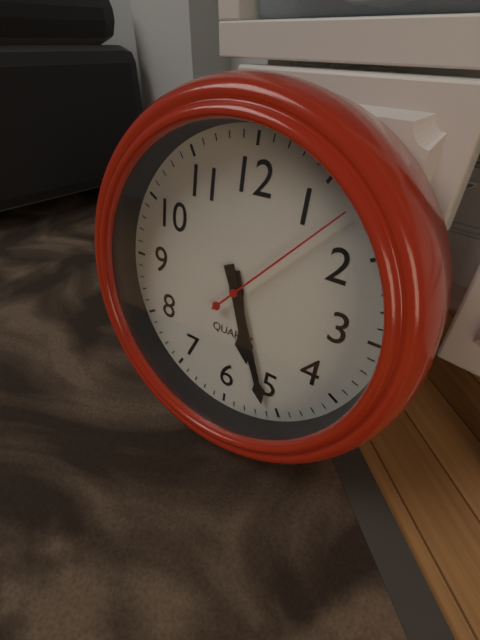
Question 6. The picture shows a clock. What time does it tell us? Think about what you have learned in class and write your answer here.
5:26:07
